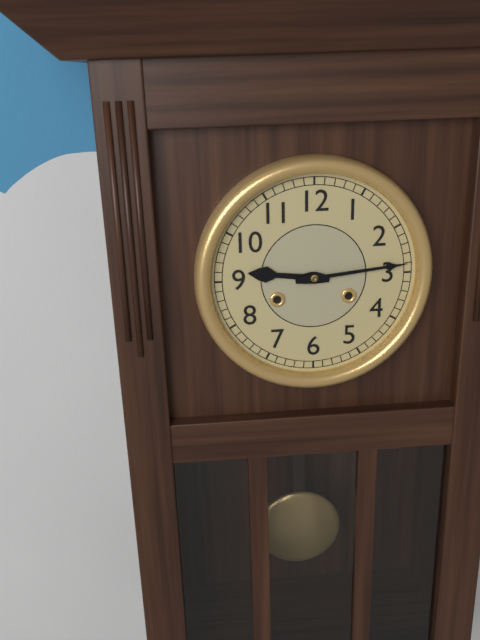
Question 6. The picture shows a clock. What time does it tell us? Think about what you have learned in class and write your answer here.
9:14
